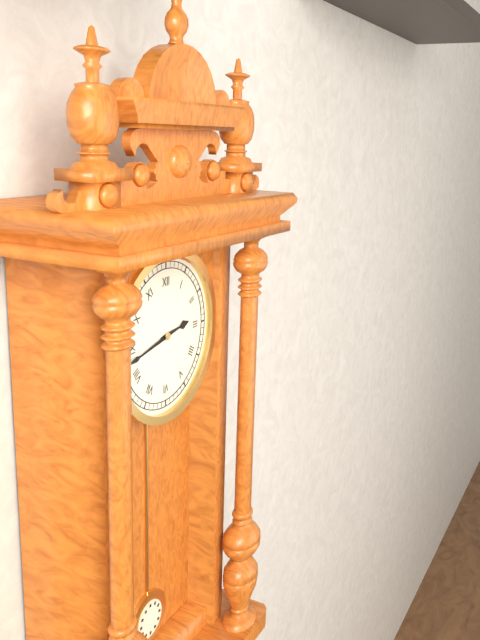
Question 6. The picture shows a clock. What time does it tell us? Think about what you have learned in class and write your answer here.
2:43
